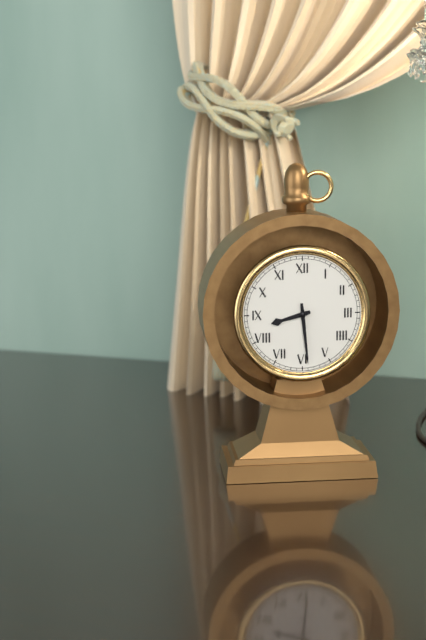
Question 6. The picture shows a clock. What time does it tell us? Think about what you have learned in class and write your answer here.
8:29
